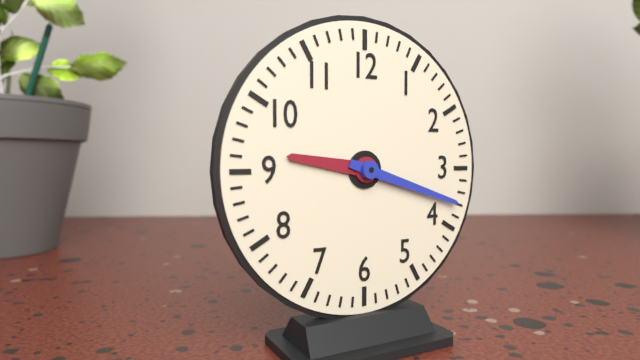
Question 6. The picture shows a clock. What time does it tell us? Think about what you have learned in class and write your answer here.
9:18
